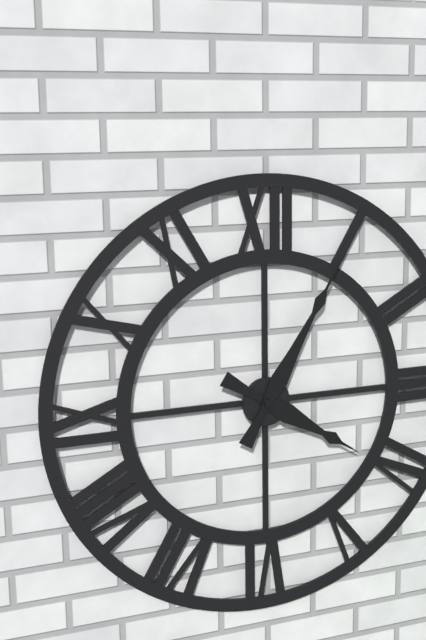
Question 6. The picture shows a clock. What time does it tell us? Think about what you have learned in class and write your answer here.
4:05
